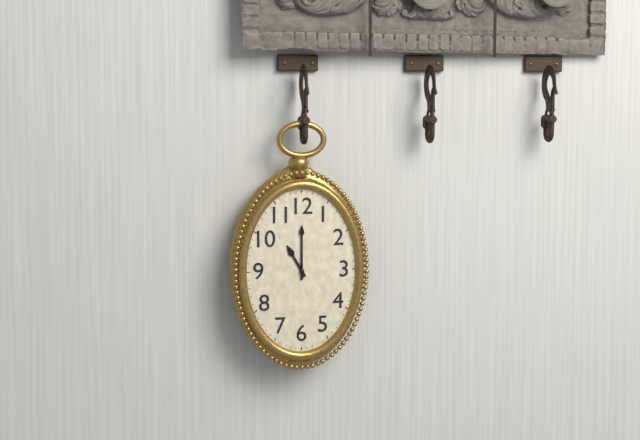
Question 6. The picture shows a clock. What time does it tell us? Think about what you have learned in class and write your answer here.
11:00
